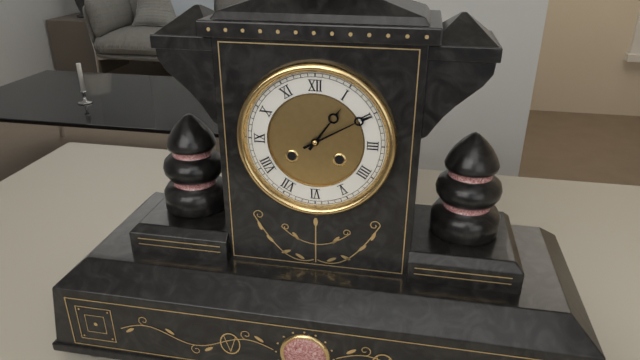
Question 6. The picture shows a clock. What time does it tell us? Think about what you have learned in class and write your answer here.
1:10
